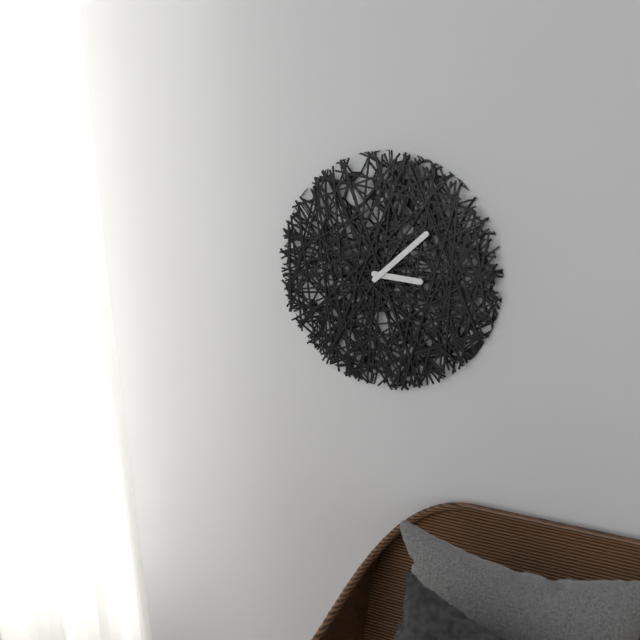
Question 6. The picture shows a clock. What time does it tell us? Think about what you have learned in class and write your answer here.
3:08
